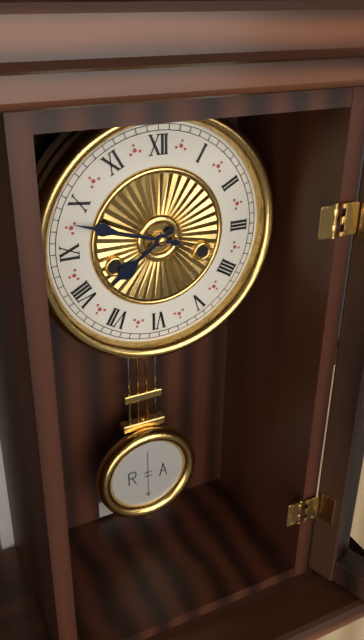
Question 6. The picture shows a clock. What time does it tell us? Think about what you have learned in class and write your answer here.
7:48
